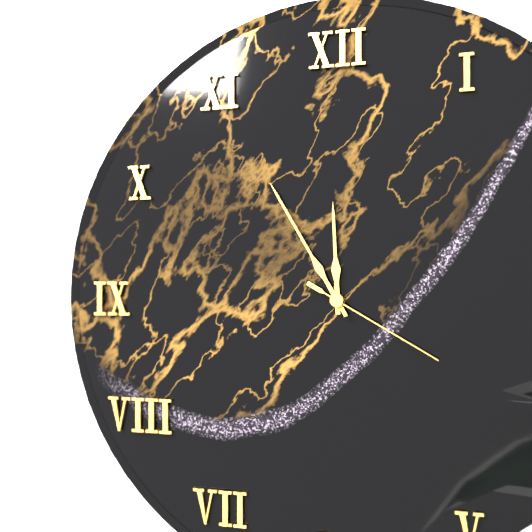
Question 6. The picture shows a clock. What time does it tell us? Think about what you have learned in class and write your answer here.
11:55:20
